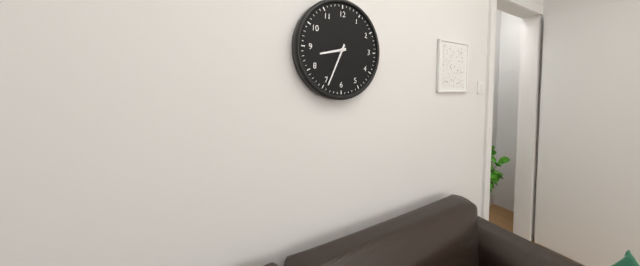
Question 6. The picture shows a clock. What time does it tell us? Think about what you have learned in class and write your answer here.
8:34
